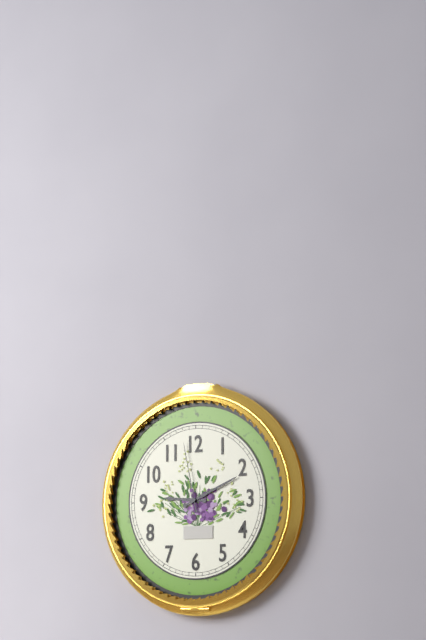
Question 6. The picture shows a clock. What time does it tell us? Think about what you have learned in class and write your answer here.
9:11:58
